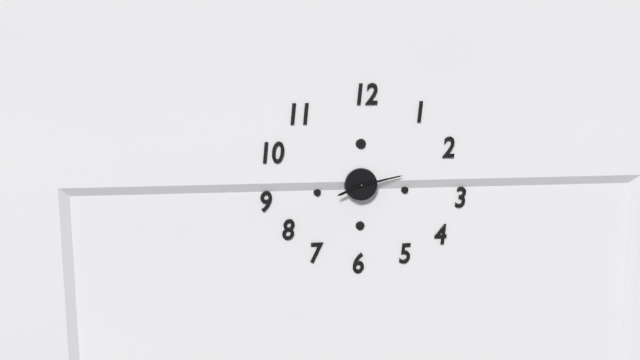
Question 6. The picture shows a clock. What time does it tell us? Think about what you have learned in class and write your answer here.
8:13
